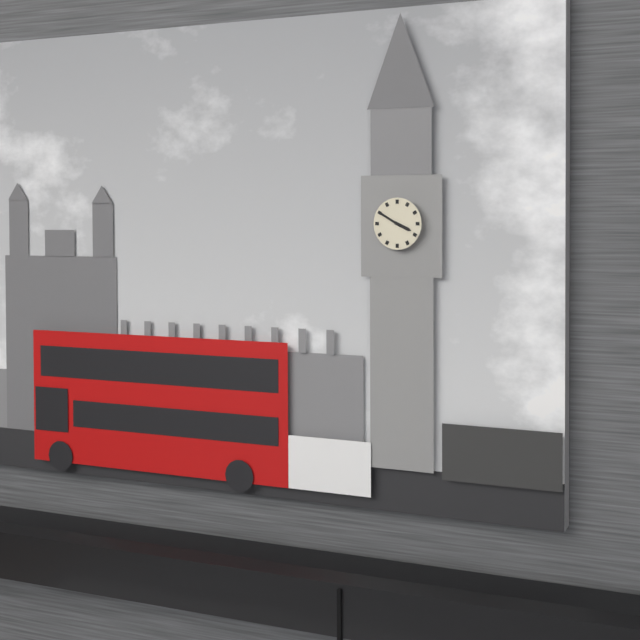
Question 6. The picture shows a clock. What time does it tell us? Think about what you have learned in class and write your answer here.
3:50
